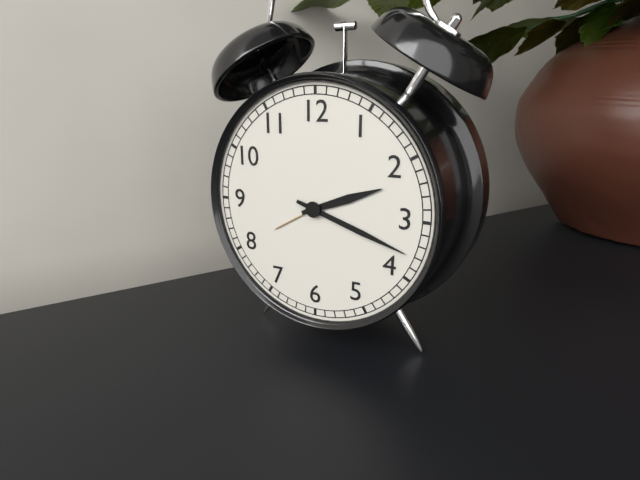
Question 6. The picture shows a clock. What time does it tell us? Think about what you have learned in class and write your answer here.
2:18
